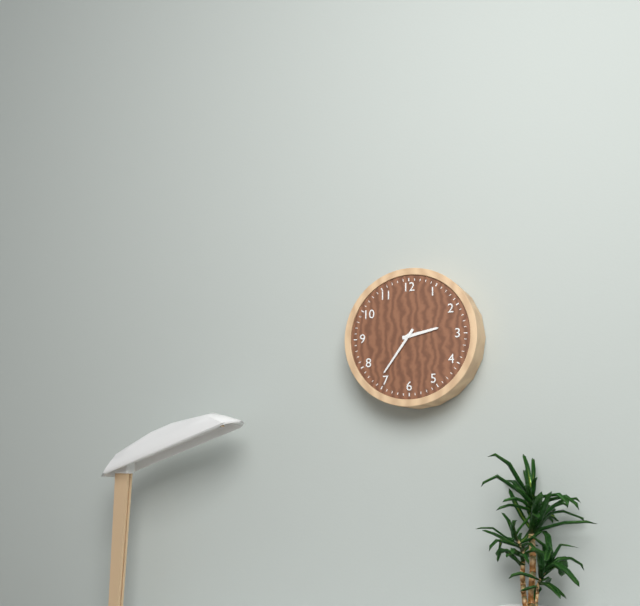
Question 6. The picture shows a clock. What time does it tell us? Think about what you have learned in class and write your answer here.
2:36
